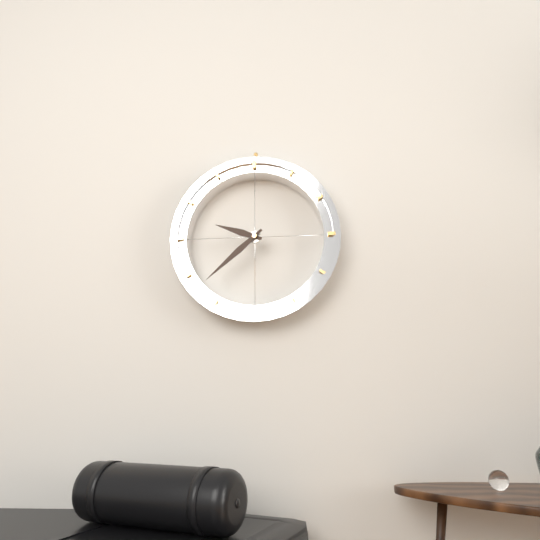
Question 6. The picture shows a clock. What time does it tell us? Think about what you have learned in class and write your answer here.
9:38
